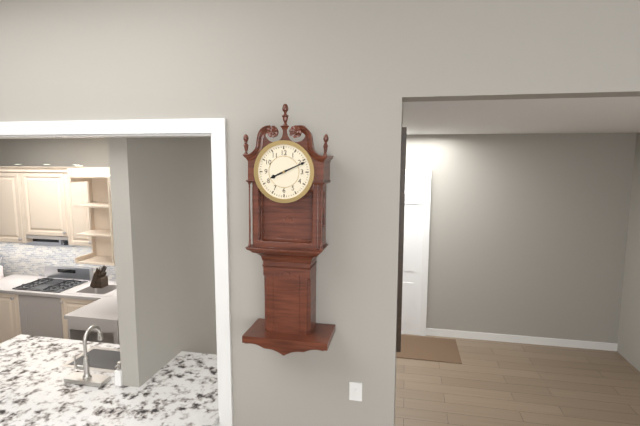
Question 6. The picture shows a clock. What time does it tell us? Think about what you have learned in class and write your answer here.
8:11
